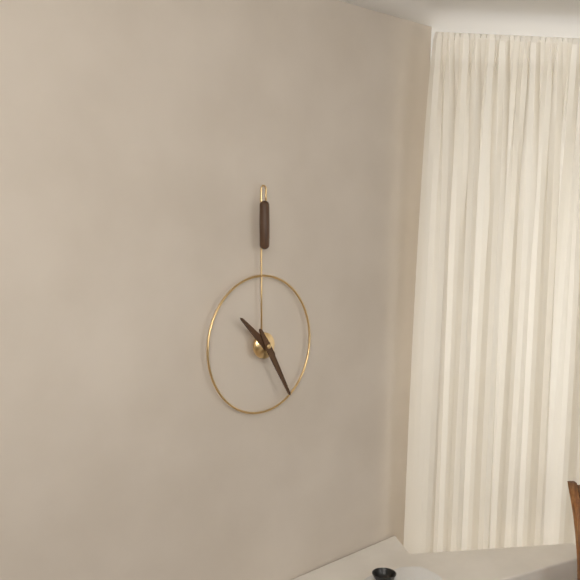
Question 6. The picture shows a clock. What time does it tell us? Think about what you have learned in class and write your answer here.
10:25
